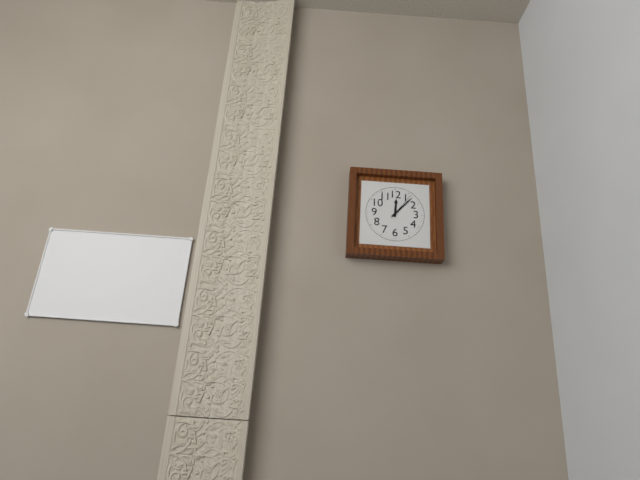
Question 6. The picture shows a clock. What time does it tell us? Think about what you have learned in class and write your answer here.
12:07
